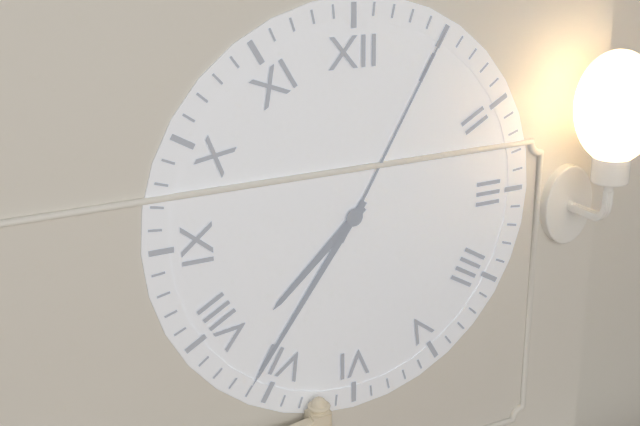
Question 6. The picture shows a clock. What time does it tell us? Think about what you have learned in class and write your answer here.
7:36:05
